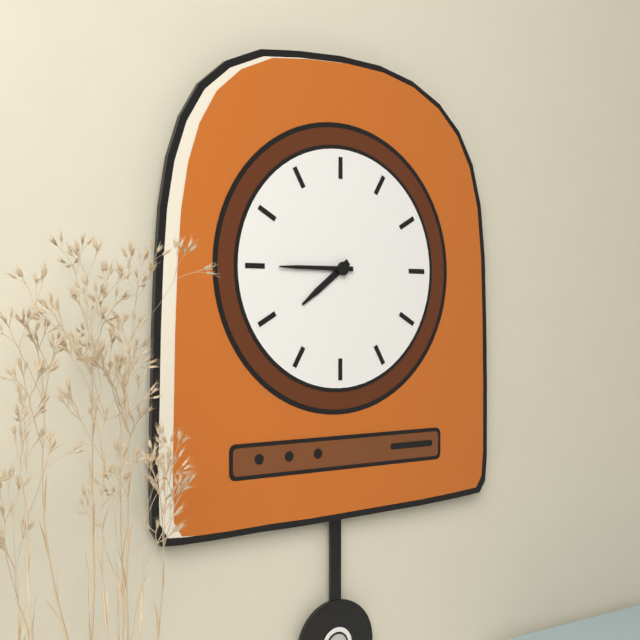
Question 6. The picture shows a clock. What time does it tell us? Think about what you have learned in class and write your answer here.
7:45
